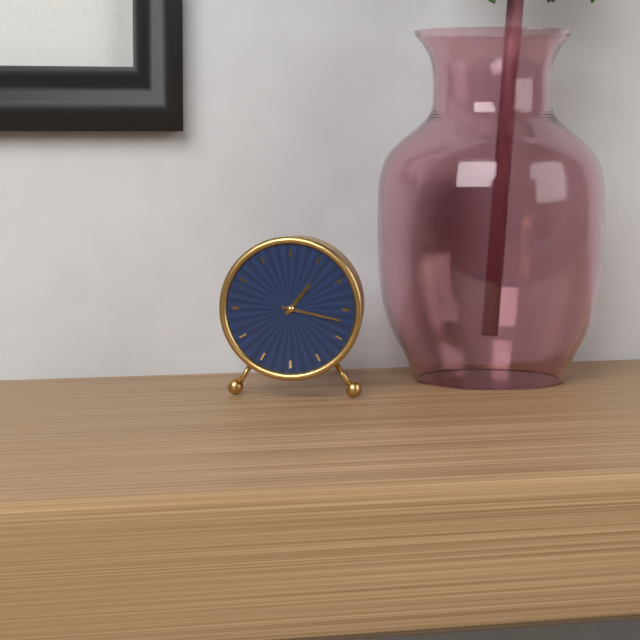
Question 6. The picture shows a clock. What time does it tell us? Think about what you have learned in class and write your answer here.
1:17
